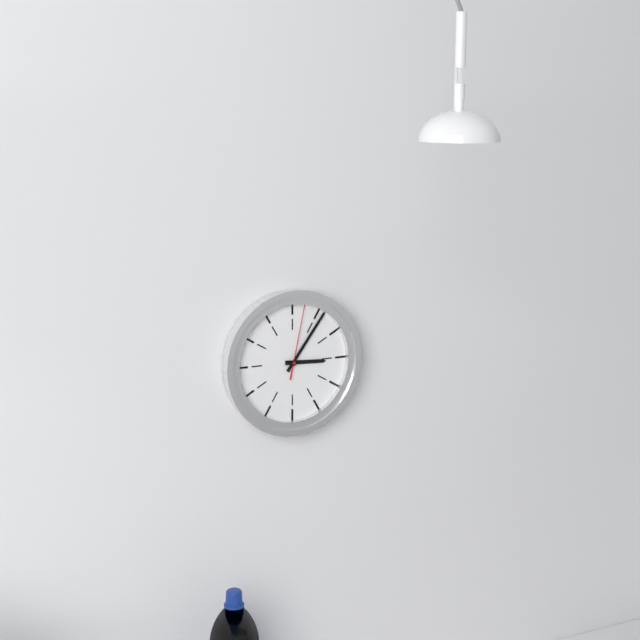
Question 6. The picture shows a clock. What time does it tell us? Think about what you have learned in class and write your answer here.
3:06:02
